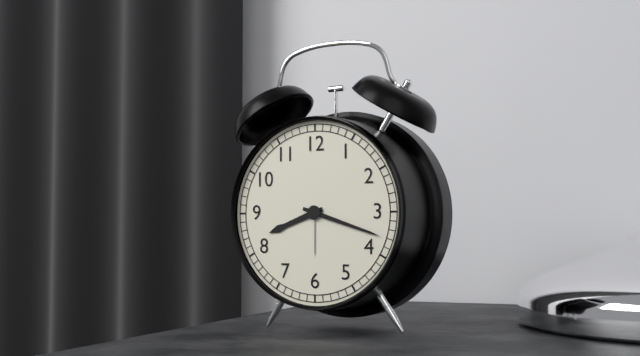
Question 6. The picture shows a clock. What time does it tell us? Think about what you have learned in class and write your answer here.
8:18
